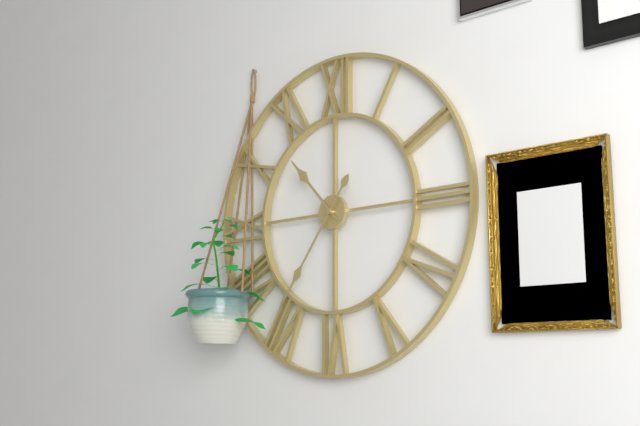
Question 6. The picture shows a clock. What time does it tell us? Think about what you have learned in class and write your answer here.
10:36
